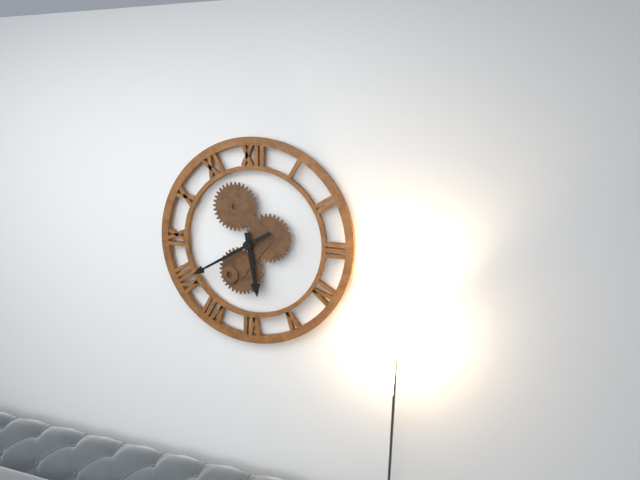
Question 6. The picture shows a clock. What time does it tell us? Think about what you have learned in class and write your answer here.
5:40
